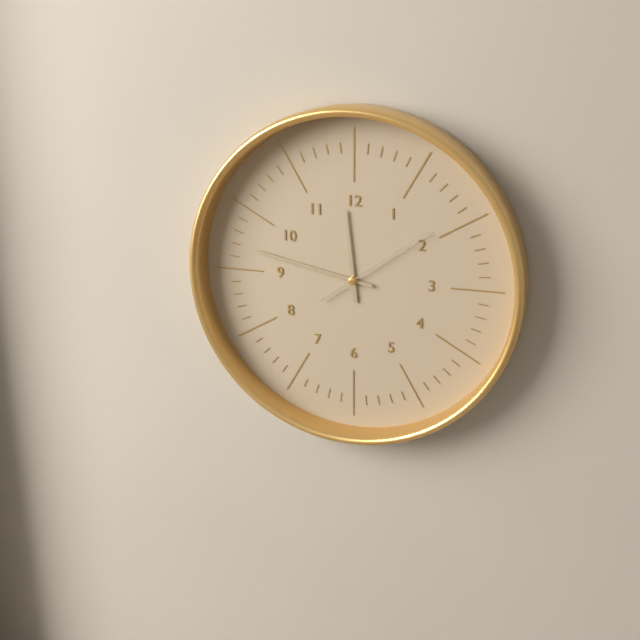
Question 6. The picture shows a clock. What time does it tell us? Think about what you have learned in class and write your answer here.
11:47:09
